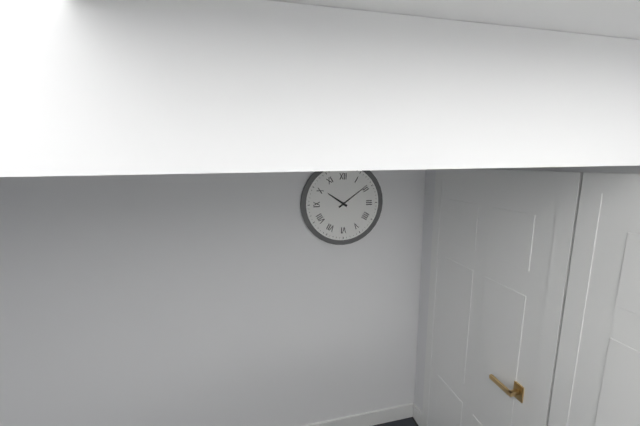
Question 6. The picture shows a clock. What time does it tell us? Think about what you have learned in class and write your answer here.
10:09
